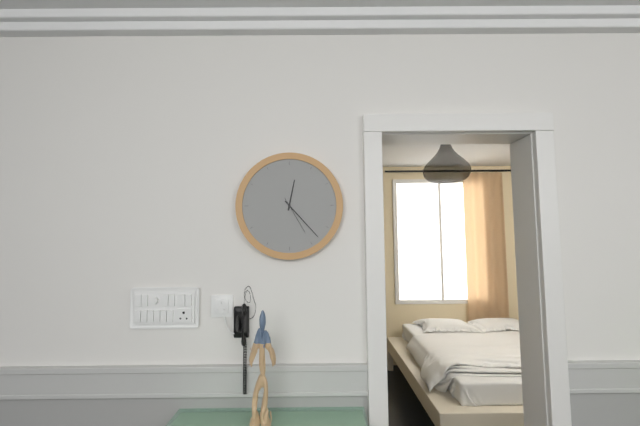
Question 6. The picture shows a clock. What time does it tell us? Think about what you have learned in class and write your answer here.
12:23
